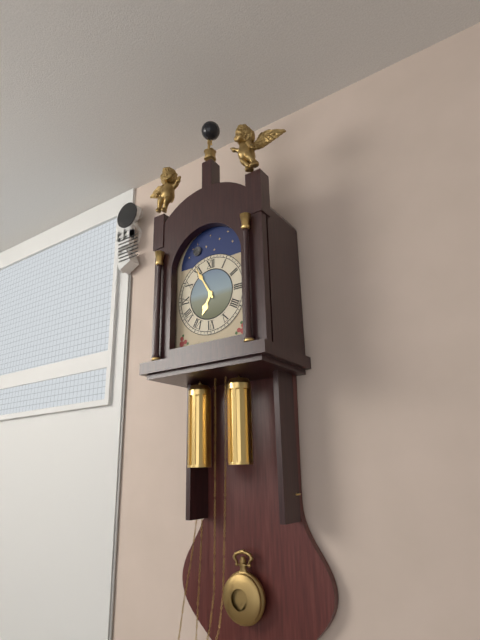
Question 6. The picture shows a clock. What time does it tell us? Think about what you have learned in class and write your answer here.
6:55
